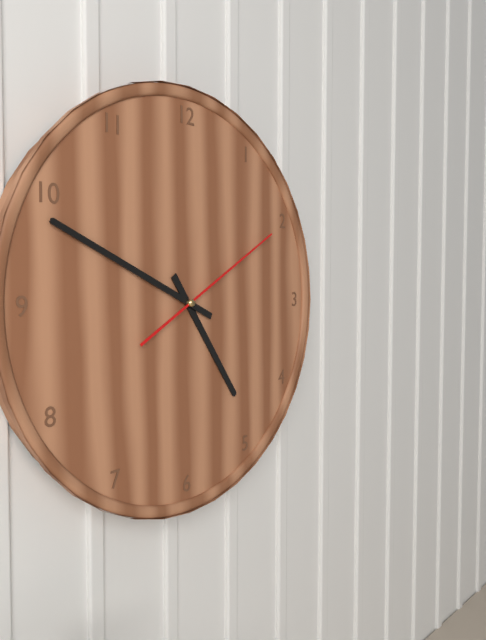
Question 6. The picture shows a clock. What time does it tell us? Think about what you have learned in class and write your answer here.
4:49:10
